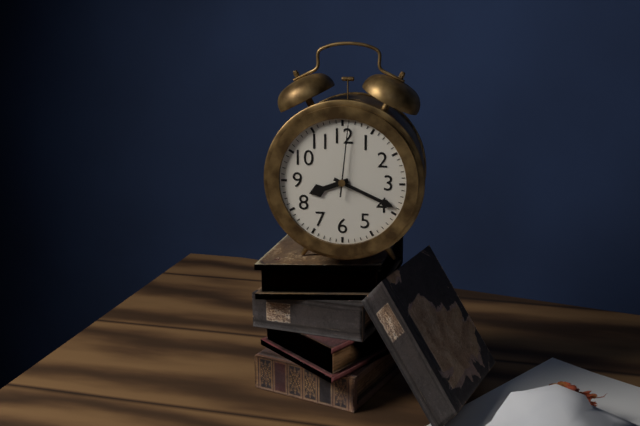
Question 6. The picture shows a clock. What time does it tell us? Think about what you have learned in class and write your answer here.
8:19:01
